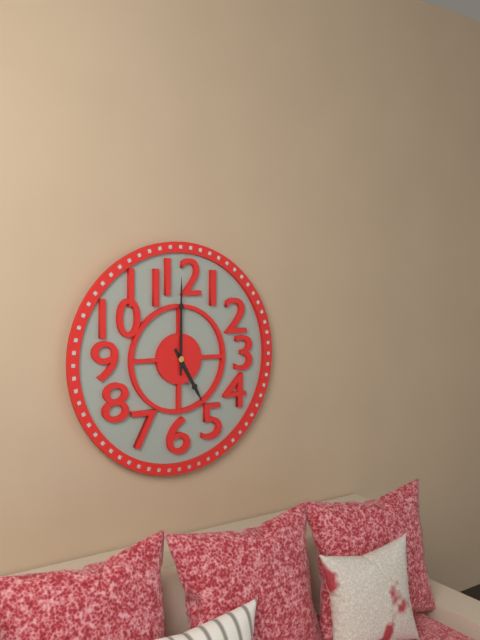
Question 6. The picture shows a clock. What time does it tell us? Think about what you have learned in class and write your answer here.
5:00
